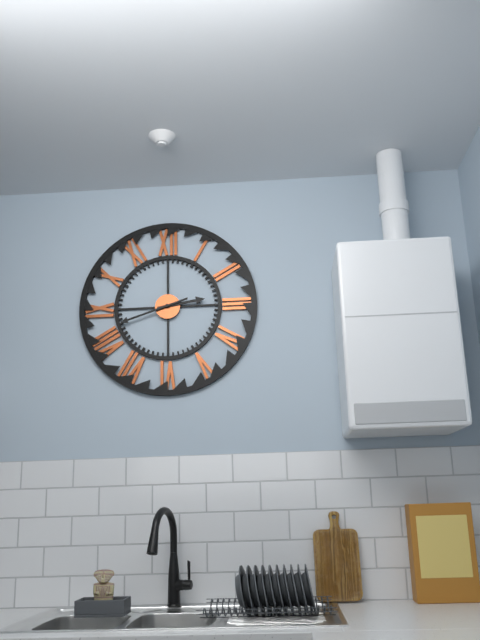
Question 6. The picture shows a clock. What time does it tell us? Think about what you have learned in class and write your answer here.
2:42
